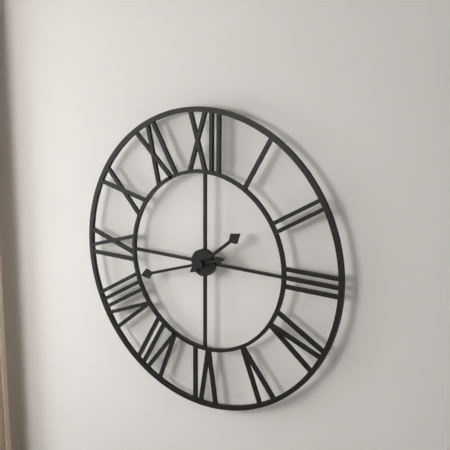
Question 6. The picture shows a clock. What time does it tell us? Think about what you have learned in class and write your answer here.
1:42
